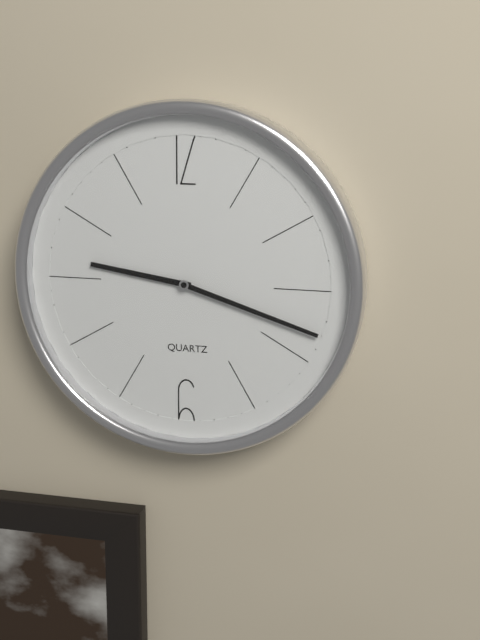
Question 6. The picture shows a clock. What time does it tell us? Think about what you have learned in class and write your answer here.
9:18
